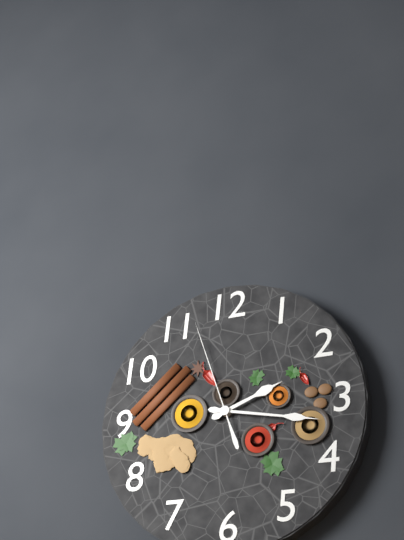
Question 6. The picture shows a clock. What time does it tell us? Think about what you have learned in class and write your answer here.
2:17:57
